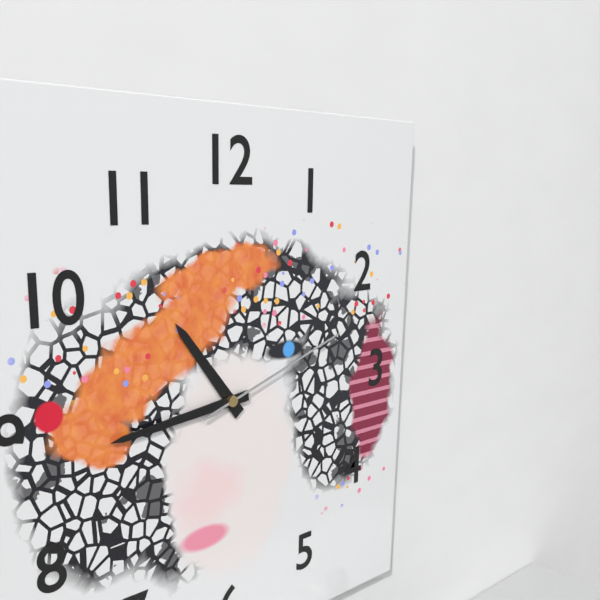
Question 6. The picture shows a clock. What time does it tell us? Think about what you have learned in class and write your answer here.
10:44:12
